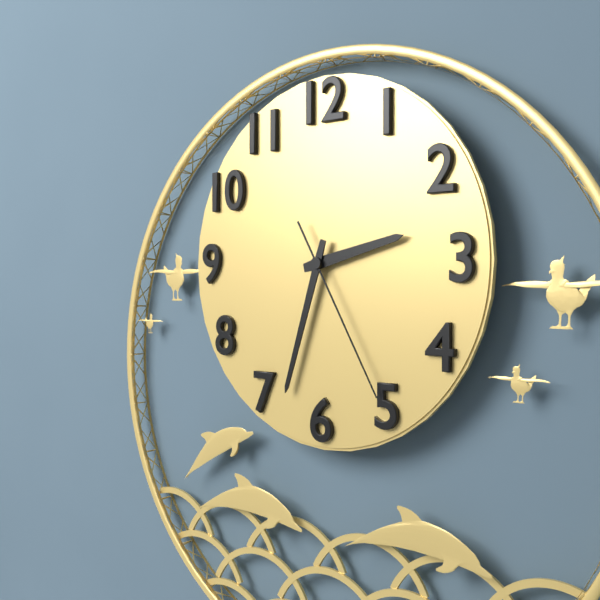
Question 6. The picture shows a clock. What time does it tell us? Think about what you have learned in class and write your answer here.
2:33:25
